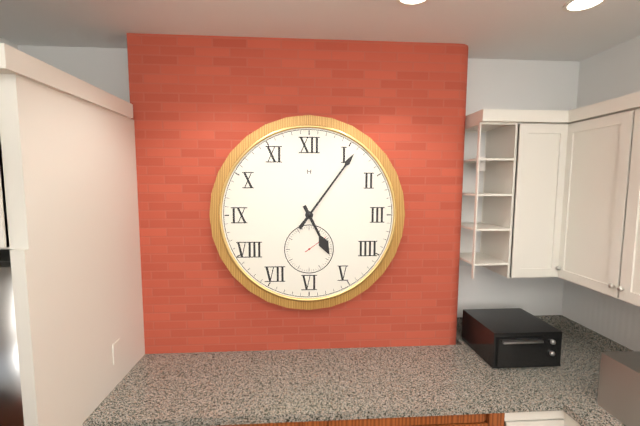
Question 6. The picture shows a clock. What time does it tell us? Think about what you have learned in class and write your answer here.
5:06
